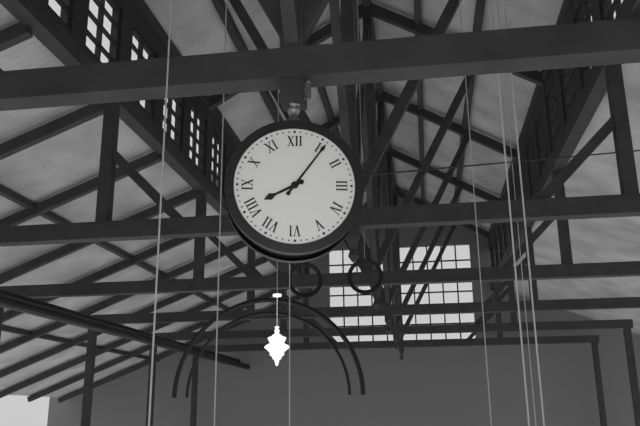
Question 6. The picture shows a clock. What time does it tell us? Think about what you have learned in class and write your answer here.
8:06
